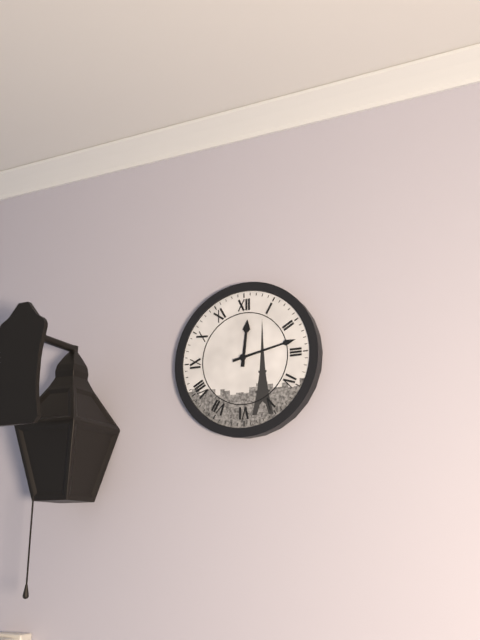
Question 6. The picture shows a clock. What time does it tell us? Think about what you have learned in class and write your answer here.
12:13
